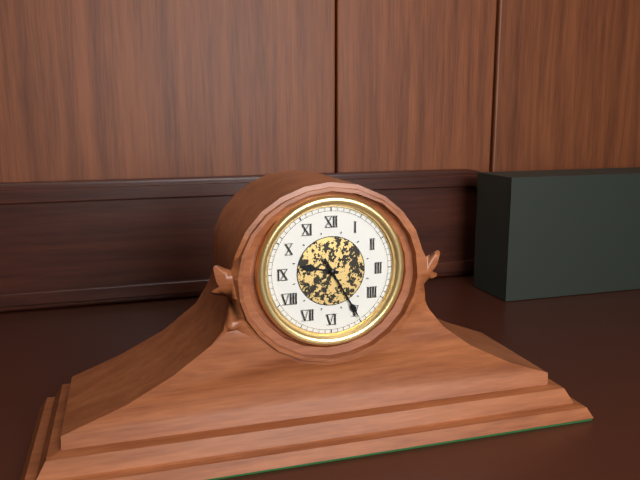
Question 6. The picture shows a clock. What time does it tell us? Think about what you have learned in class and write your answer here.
9:25:25
